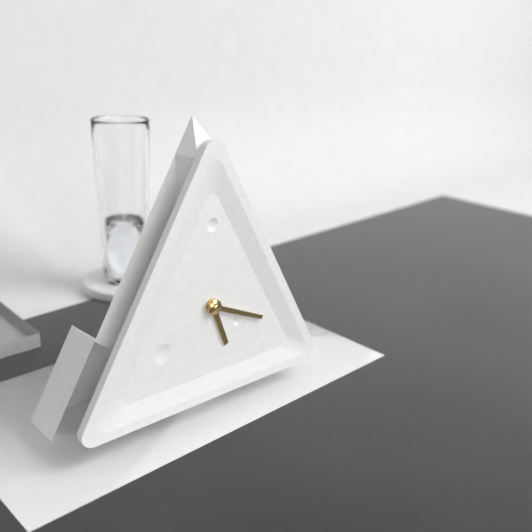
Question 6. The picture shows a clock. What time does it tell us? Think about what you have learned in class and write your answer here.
5:19
